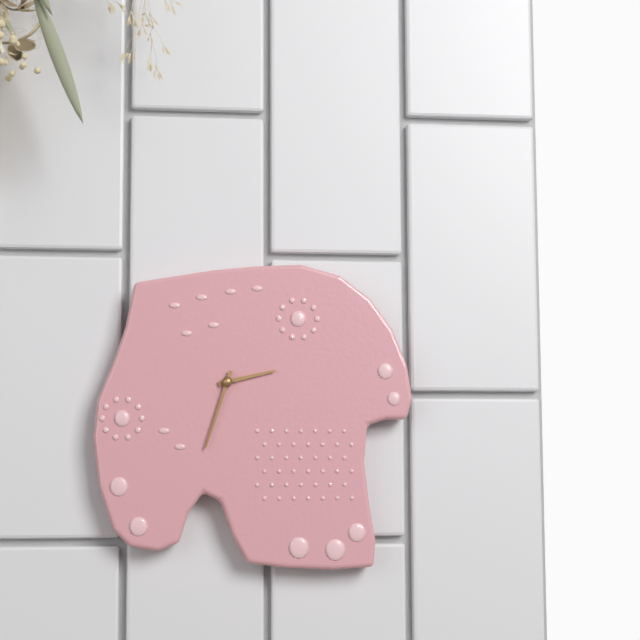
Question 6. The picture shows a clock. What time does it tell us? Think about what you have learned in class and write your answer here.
2:33
